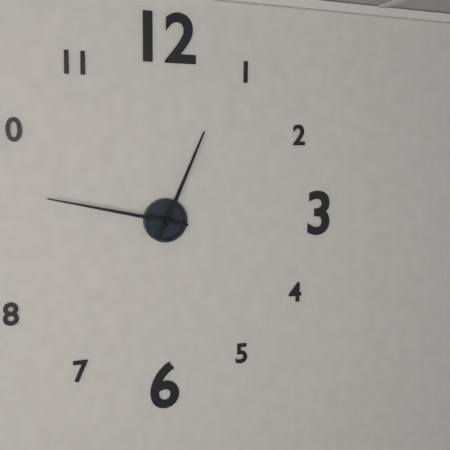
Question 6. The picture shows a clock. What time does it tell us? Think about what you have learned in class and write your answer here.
12:47
